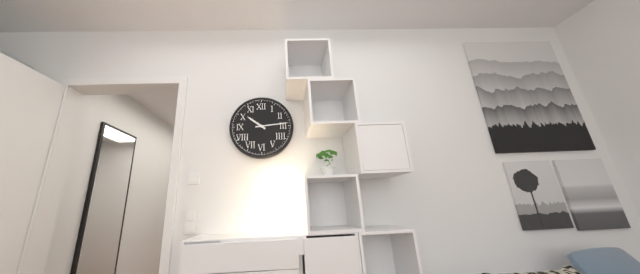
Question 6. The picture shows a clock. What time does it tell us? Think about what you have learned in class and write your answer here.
10:14
